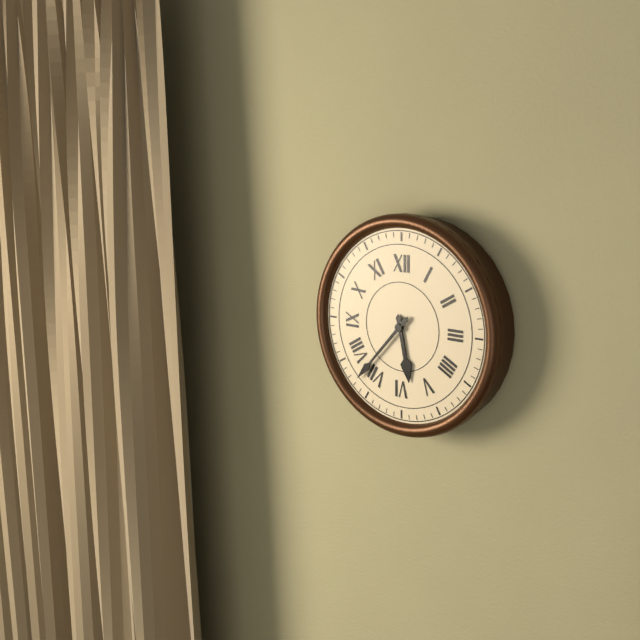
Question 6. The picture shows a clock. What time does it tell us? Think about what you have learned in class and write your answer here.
5:37
